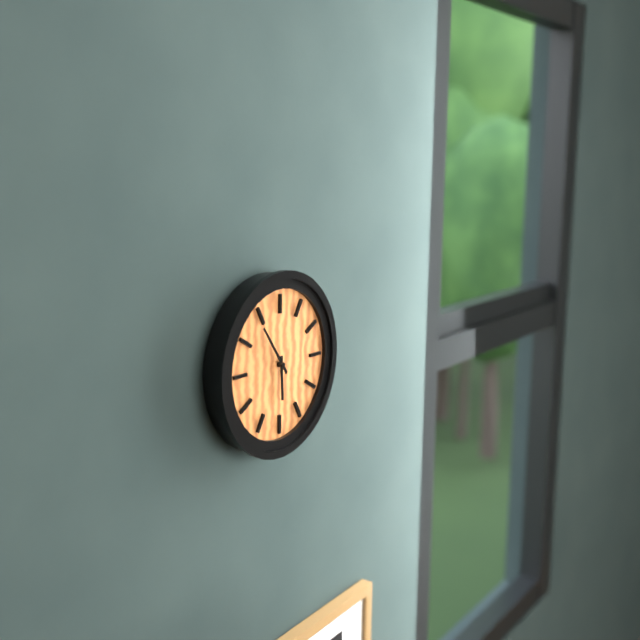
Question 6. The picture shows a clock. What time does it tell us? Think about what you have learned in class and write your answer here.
5:54
